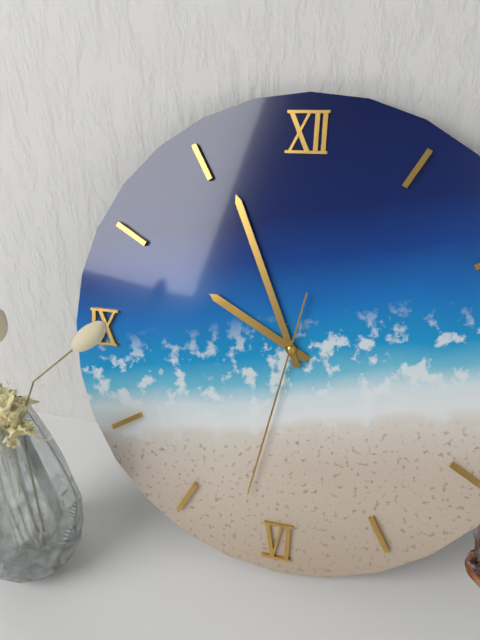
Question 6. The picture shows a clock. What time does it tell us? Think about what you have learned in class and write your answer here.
9:56:32
